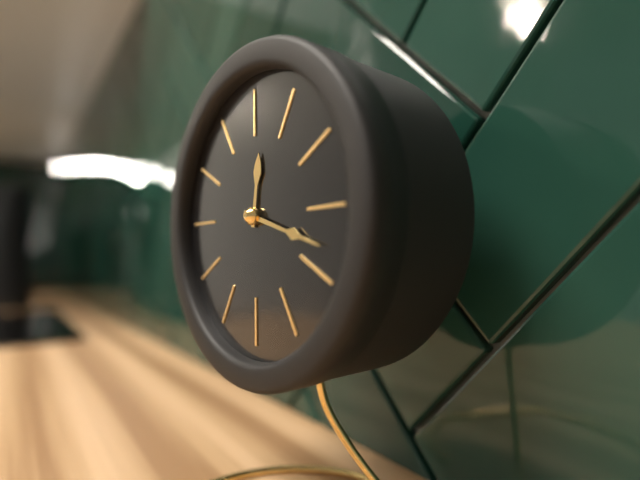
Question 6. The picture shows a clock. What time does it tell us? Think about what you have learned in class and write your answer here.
12:18
